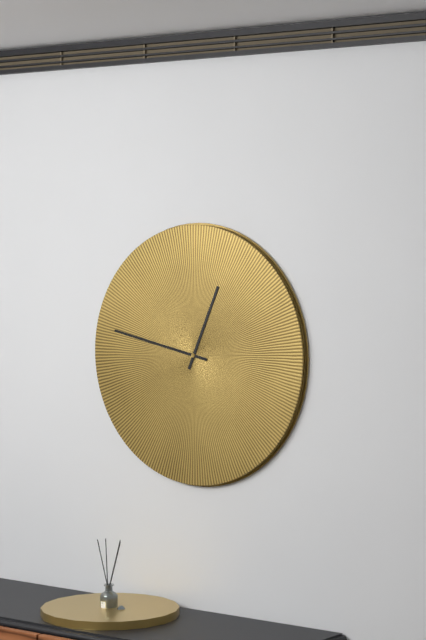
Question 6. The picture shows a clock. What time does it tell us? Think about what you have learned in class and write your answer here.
12:47
